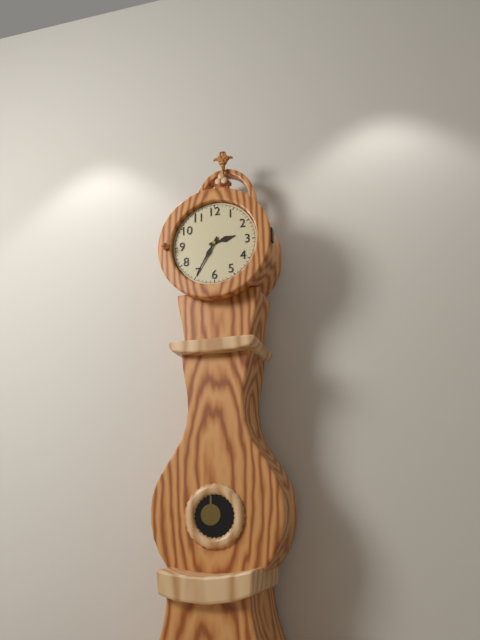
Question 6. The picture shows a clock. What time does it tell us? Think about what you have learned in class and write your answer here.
2:35
